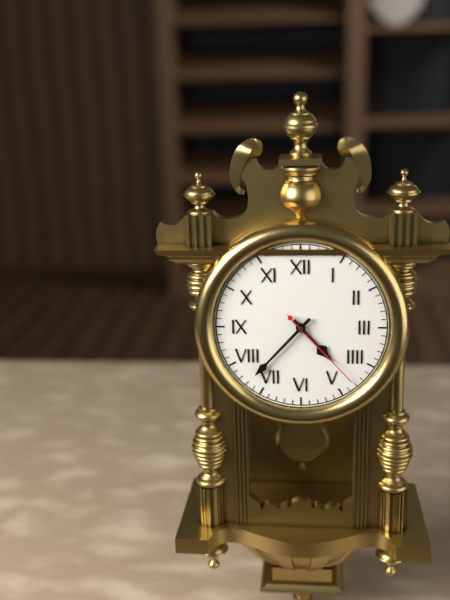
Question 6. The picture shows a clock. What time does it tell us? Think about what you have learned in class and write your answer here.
4:37:23
